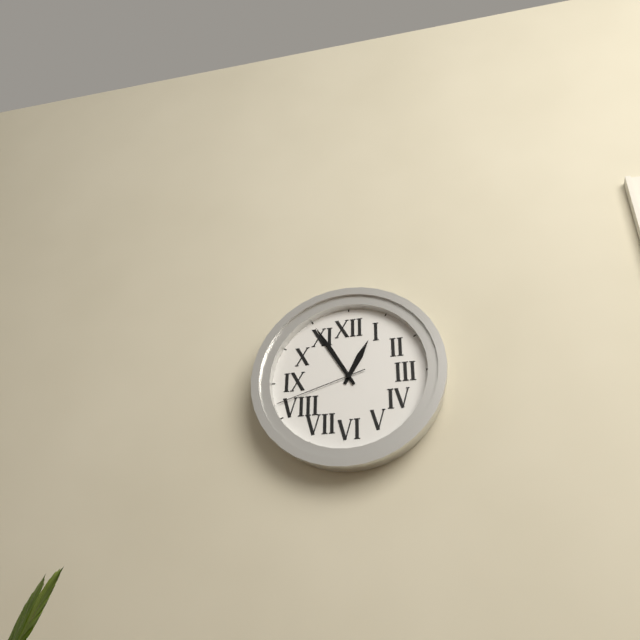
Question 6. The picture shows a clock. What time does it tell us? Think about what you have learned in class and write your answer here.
12:55:42
